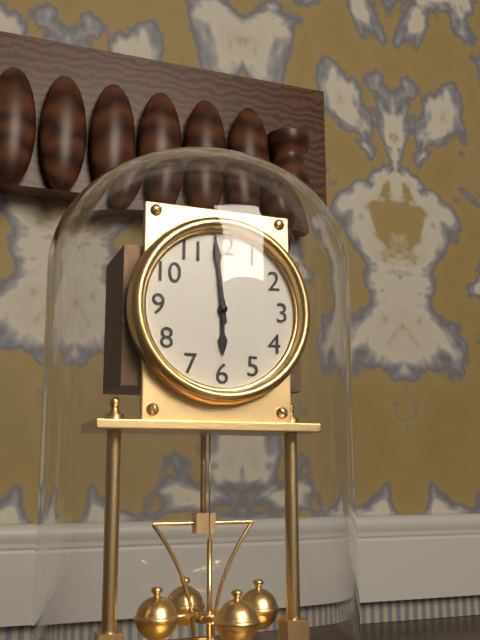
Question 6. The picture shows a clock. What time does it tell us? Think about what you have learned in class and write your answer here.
5:59
